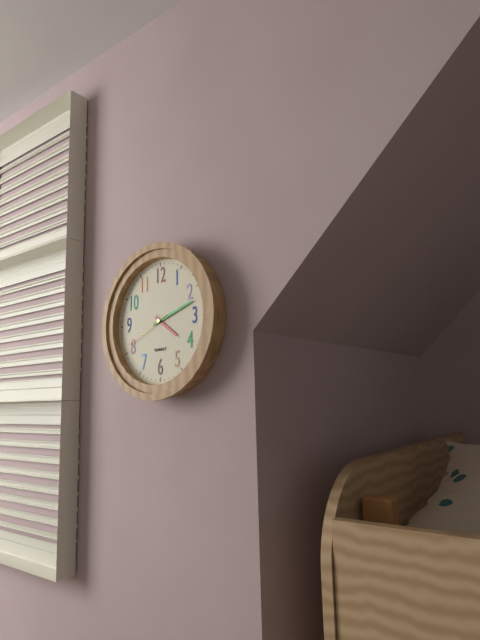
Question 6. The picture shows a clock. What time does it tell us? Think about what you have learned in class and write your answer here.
4:12:41
